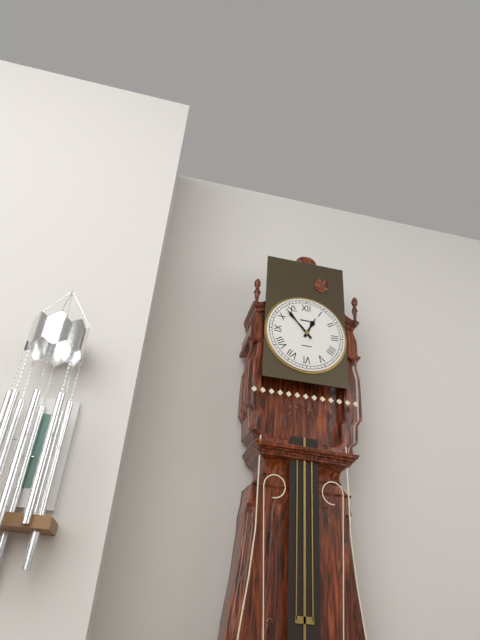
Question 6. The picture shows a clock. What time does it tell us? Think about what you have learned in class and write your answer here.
12:53
